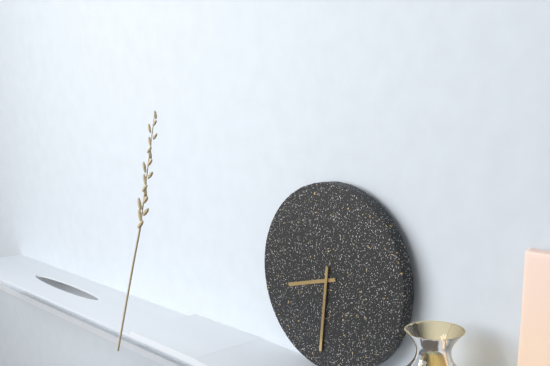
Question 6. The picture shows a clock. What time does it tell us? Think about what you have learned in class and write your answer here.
8:31
